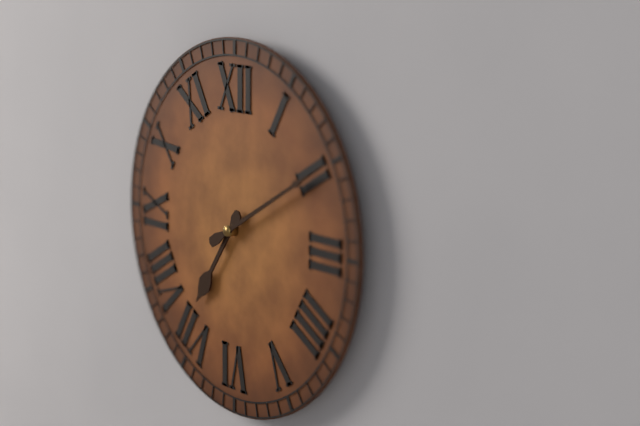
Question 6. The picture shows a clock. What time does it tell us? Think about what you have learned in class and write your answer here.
7:10
